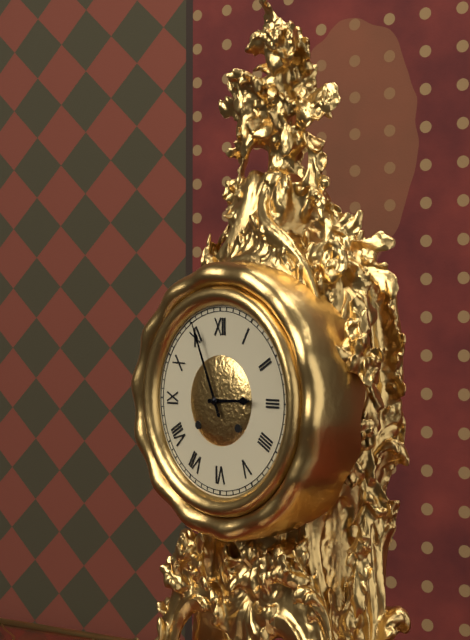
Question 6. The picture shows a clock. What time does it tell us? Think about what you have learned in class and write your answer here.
2:56
